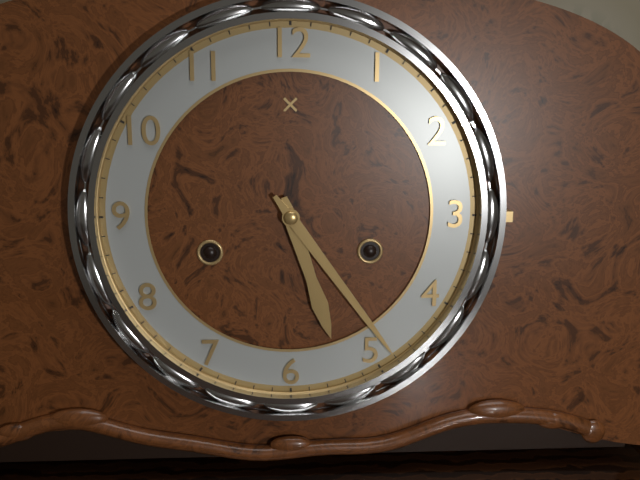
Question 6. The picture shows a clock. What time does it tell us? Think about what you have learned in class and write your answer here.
5:24
